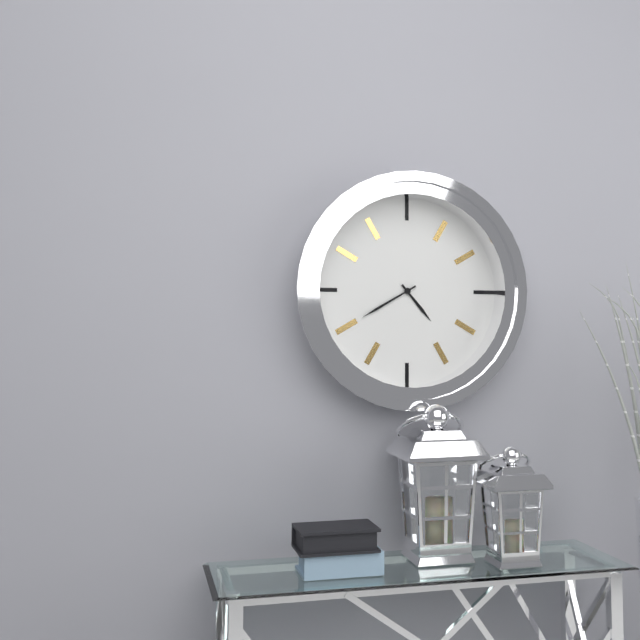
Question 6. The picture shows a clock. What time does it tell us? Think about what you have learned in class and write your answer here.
4:40
